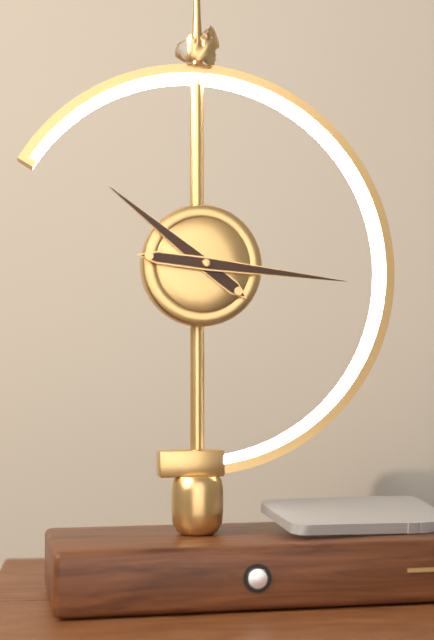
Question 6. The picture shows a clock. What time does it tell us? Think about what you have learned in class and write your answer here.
10:16
